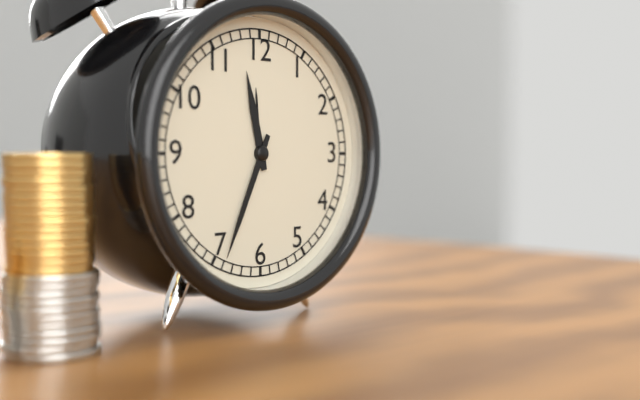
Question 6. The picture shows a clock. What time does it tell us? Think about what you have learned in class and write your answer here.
11:34
